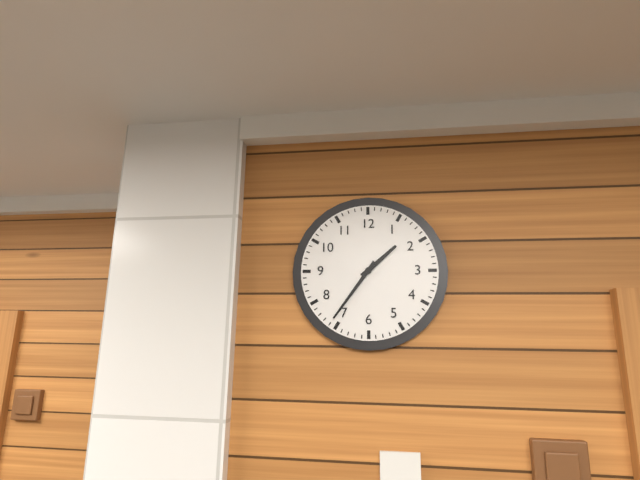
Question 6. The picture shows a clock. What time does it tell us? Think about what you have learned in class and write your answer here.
1:36
